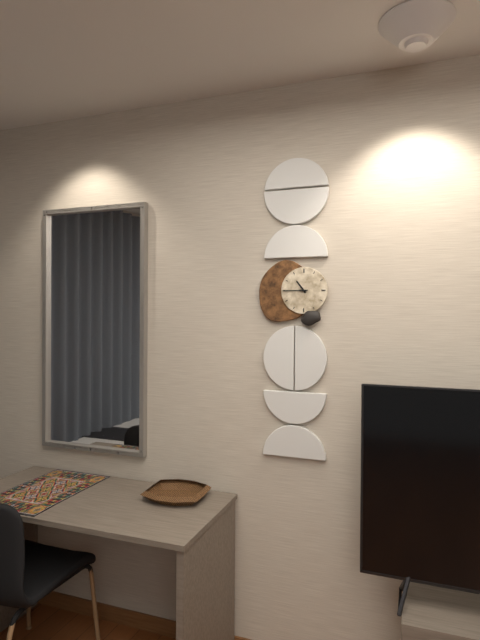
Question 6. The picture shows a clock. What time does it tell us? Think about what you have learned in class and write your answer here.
10:45
